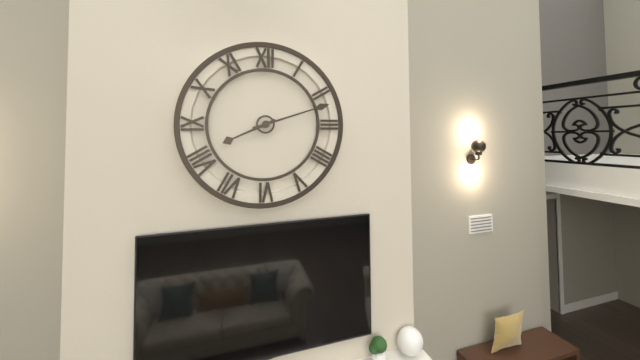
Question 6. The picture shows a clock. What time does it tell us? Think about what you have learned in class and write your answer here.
8:12
